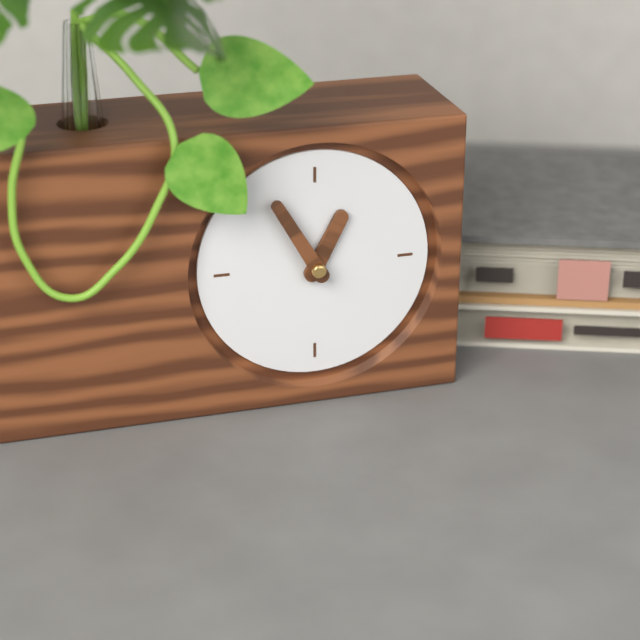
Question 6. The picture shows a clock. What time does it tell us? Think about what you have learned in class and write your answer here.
12:55
